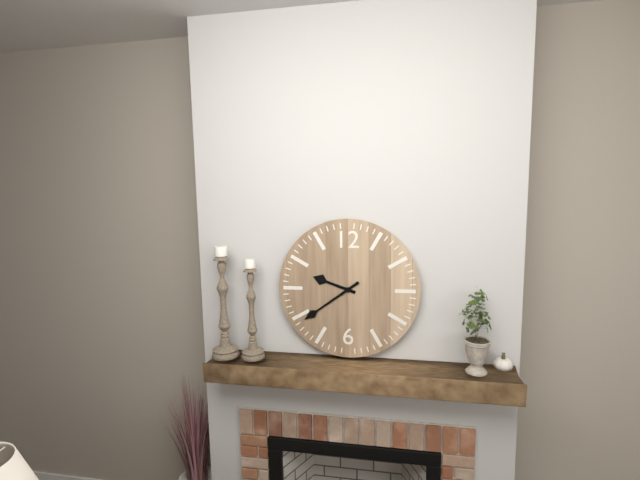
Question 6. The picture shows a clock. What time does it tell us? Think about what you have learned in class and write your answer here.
9:39
